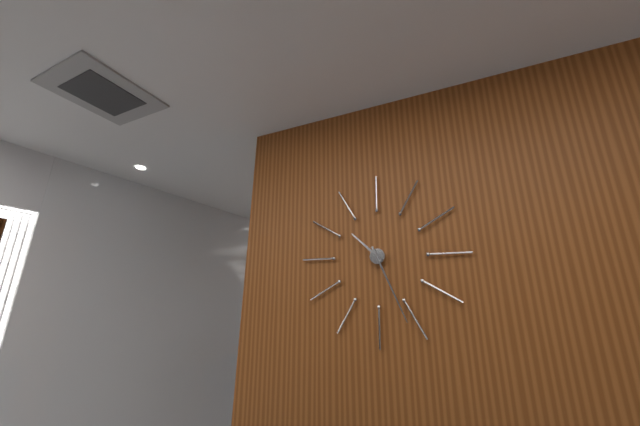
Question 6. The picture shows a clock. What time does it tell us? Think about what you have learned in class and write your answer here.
10:26
